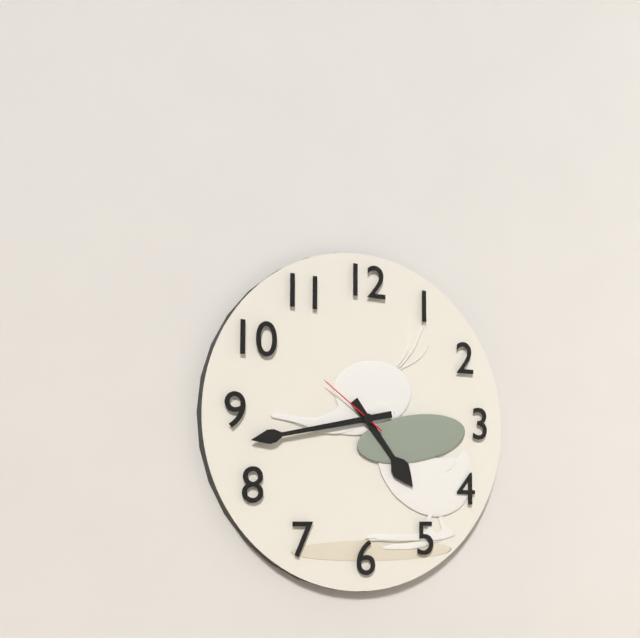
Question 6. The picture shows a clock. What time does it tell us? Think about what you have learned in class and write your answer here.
4:43:51
